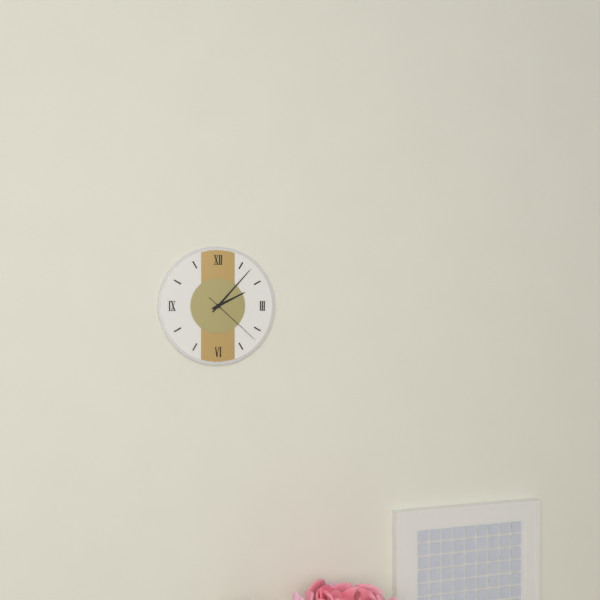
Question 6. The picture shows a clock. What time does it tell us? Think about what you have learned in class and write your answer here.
2:07:22
